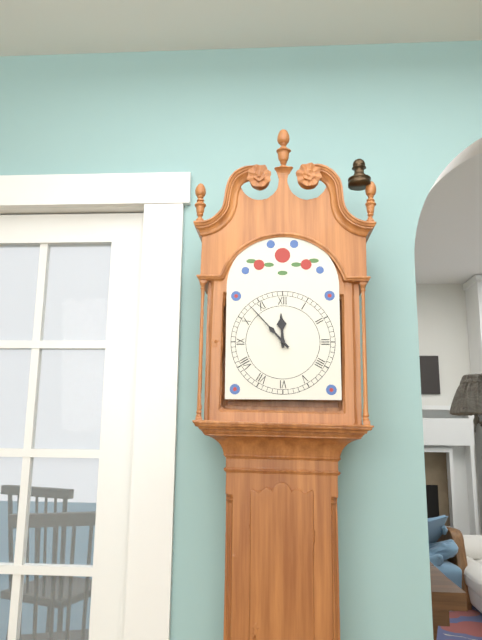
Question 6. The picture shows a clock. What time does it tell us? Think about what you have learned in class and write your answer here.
11:53
